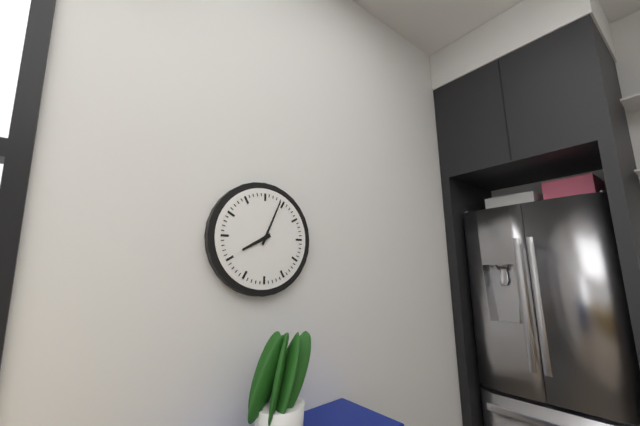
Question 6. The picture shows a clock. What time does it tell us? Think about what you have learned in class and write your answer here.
8:04
